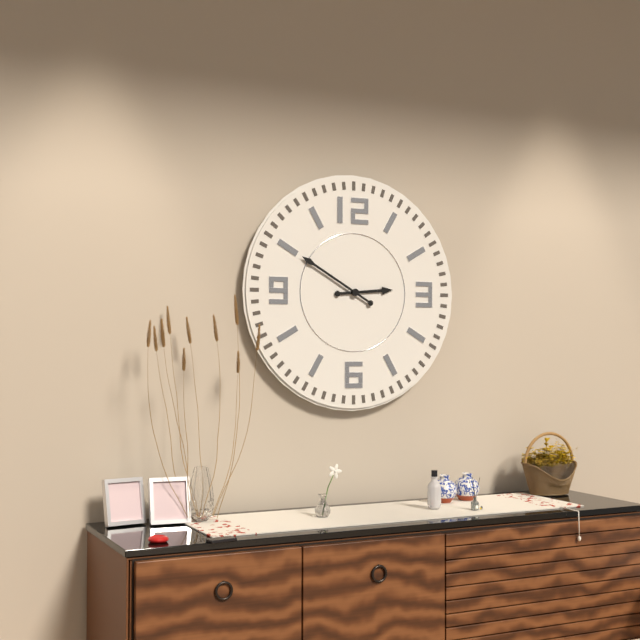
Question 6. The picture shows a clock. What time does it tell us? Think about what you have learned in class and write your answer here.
2:50
